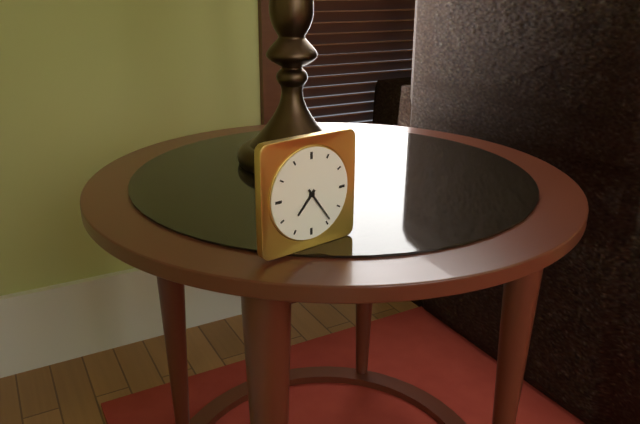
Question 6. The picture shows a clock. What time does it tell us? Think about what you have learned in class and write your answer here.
7:24
